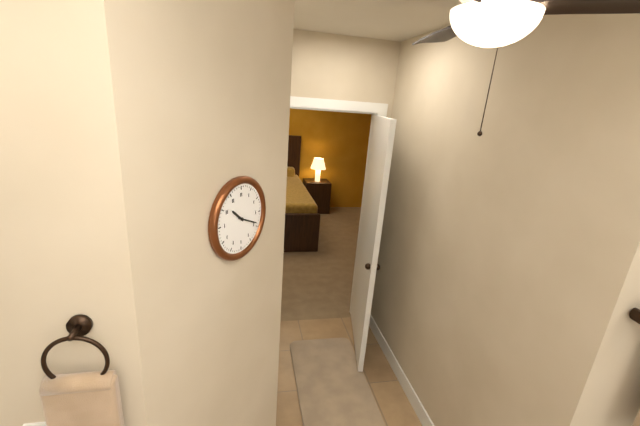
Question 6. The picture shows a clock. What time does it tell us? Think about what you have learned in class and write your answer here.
10:19
